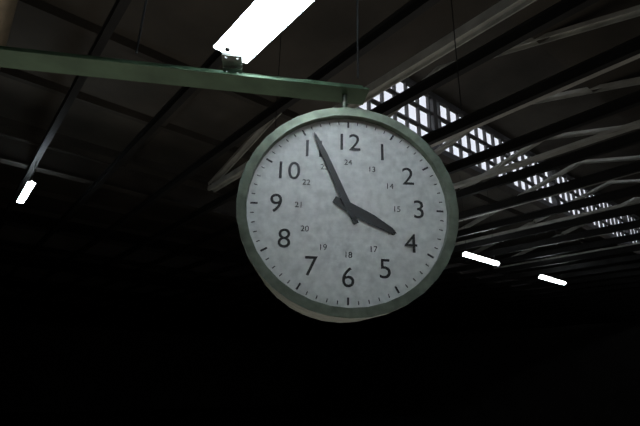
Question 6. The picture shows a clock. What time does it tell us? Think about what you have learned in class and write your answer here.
3:56
